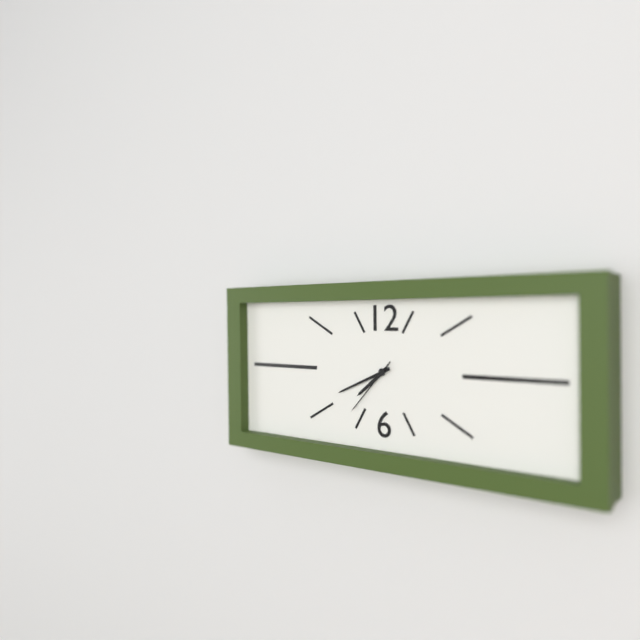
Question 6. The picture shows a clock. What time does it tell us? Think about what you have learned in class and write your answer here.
7:41:37
